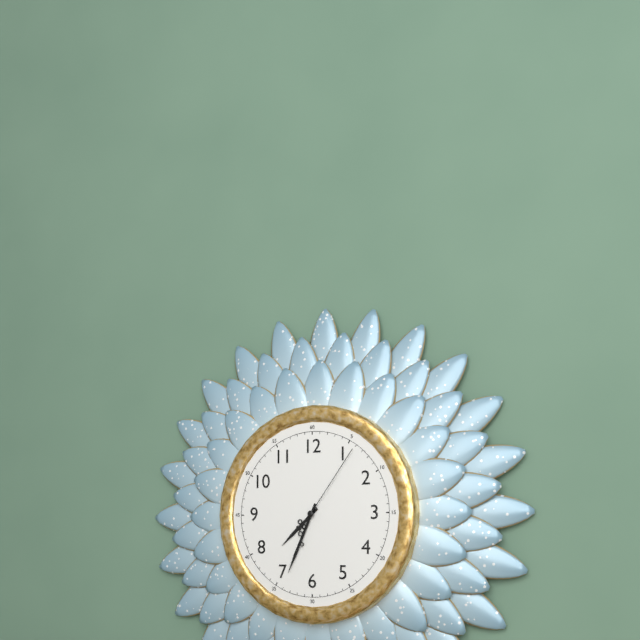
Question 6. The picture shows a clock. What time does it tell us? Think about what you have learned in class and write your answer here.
7:34:06
